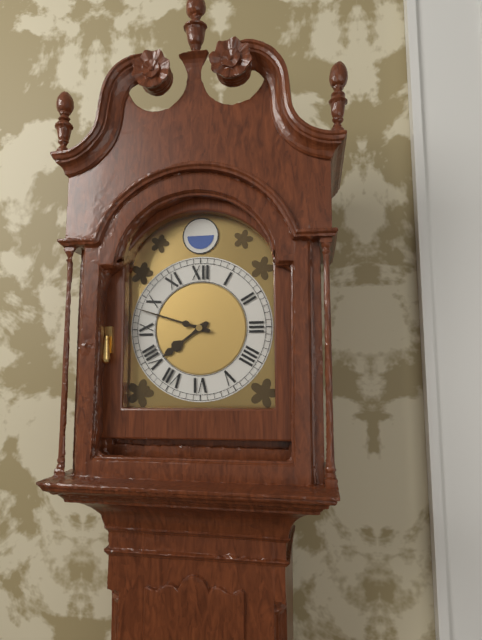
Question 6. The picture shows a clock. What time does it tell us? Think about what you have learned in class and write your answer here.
7:48
